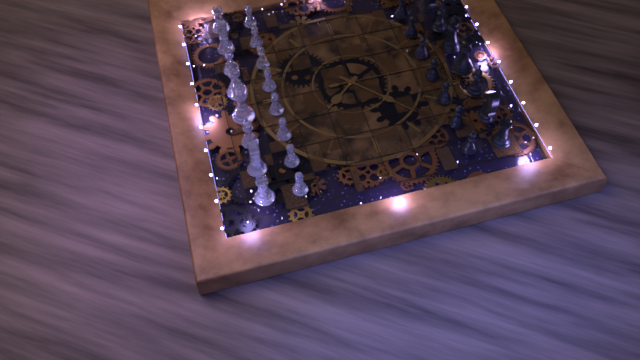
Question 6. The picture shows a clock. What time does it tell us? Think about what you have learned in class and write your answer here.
10:38:30
